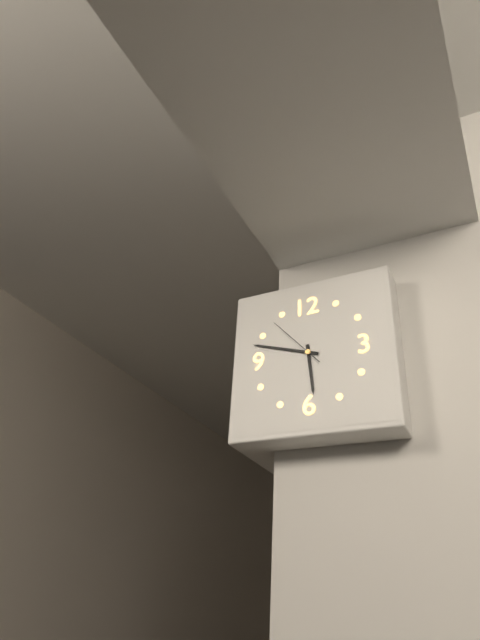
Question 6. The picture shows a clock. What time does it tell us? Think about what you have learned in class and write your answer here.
5:48:53
